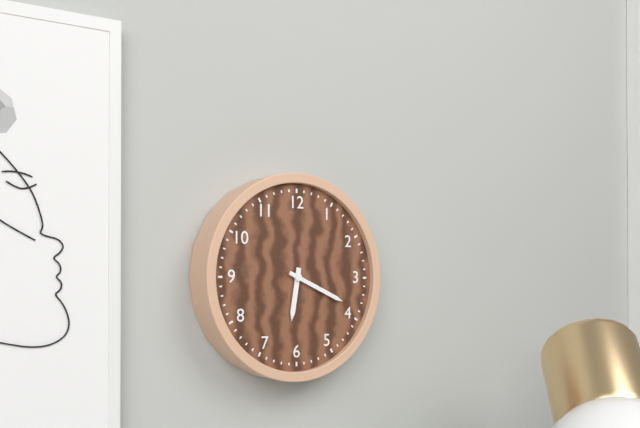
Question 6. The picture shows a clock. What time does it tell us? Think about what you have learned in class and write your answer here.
6:19
